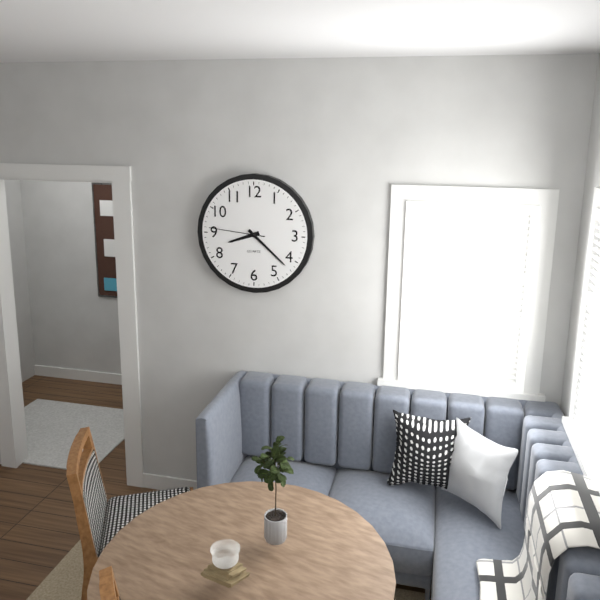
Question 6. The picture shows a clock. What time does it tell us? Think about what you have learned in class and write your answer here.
8:22:46
